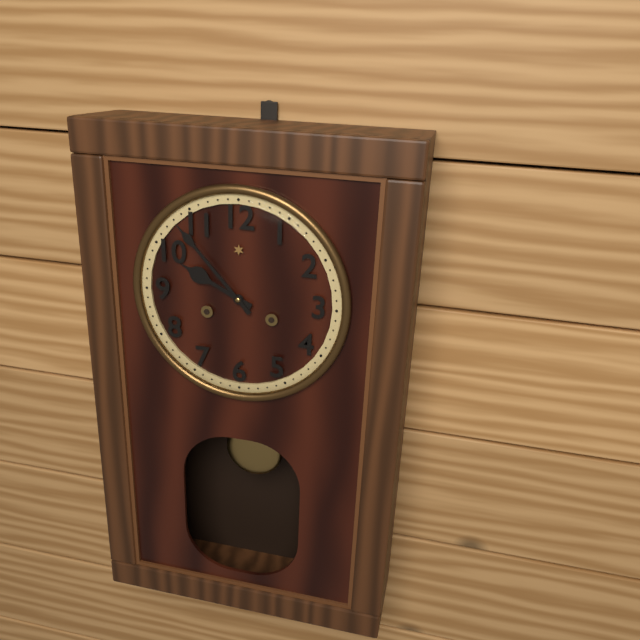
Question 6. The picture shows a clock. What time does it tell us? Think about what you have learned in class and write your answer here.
9:53
